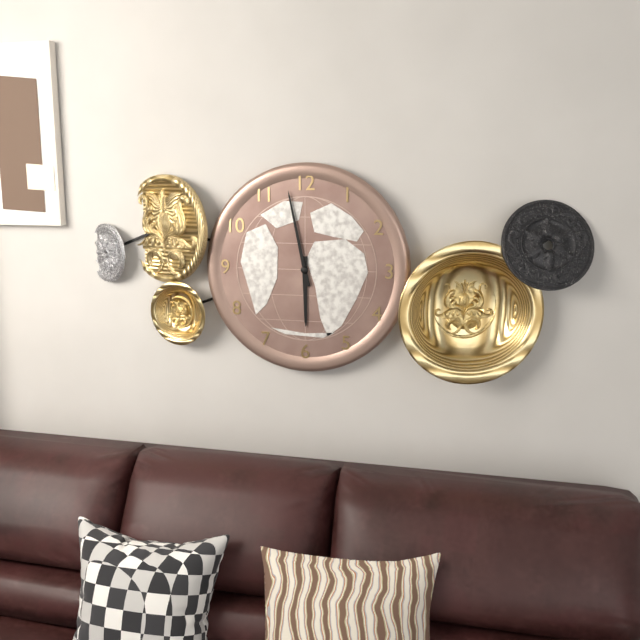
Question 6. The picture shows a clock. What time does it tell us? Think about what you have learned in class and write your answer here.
5:58
